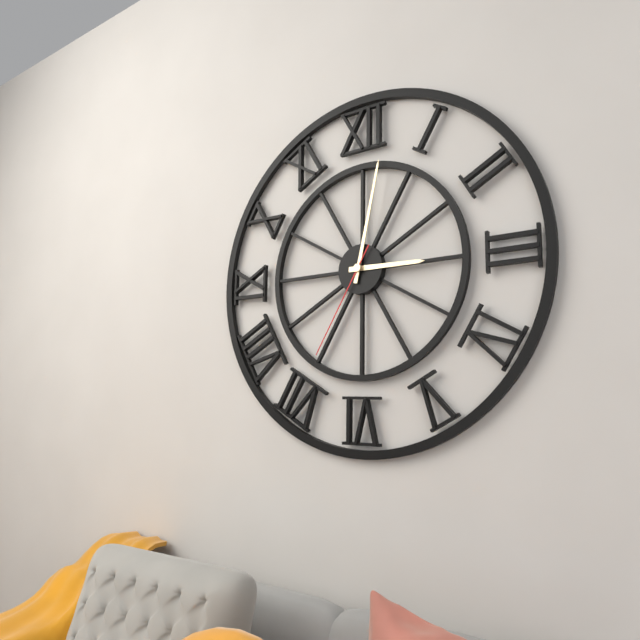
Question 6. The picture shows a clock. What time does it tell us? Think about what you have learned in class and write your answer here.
3:02:35
